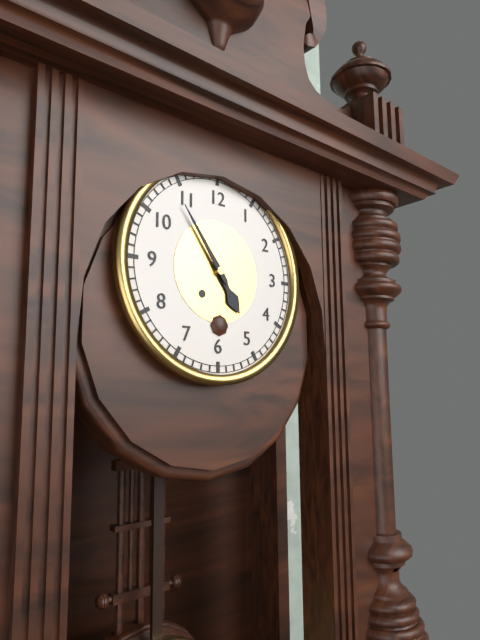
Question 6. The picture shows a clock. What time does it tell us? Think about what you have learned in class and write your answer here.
4:54
